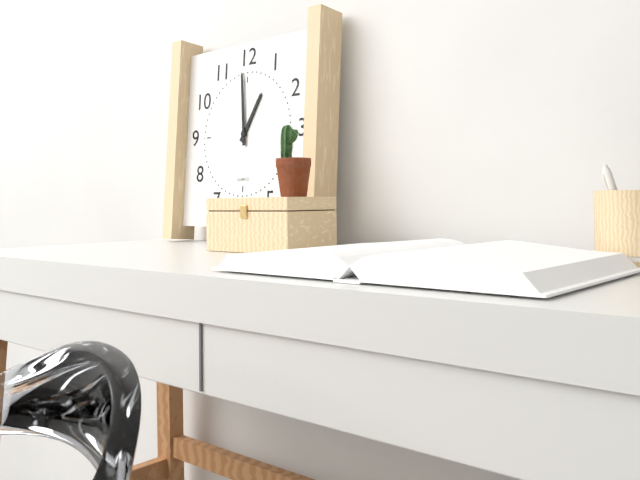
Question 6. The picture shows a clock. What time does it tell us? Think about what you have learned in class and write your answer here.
12:59
